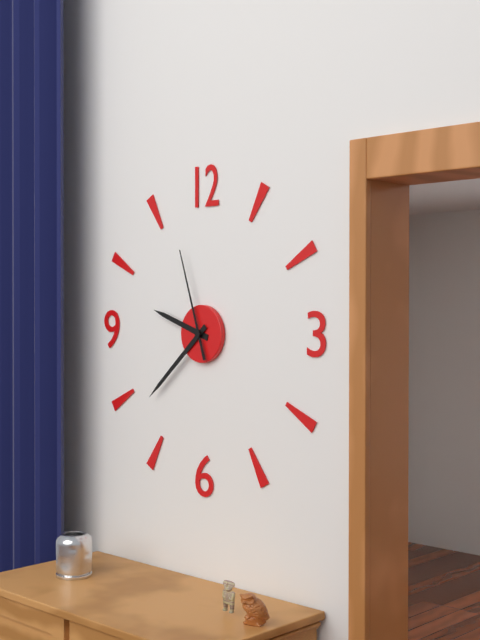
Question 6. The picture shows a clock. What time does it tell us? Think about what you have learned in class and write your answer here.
9:38:57
